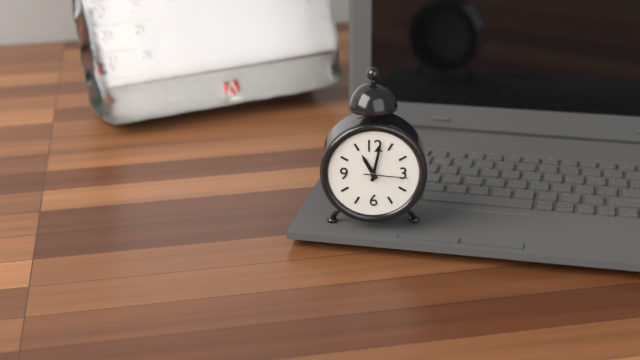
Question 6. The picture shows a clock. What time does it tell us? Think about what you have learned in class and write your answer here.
11:02
